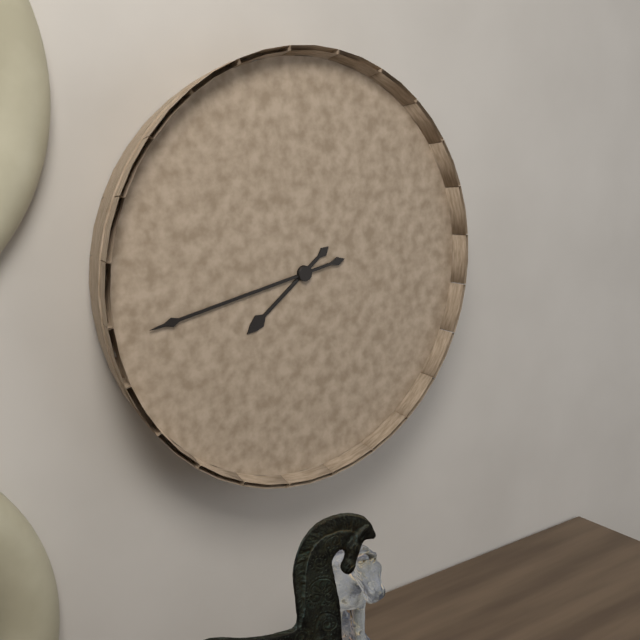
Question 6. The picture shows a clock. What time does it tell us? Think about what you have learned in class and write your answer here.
7:43
